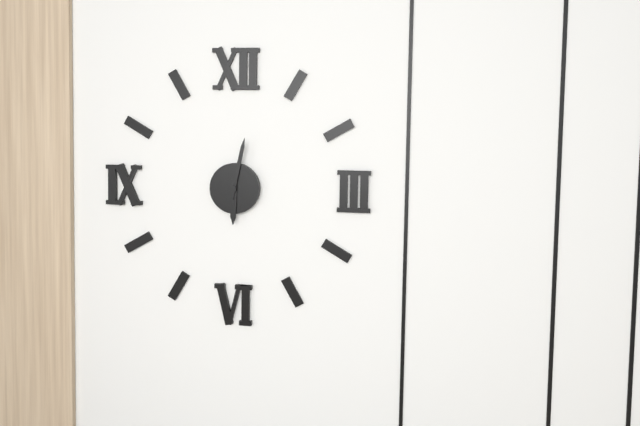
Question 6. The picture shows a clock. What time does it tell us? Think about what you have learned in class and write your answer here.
6:02
